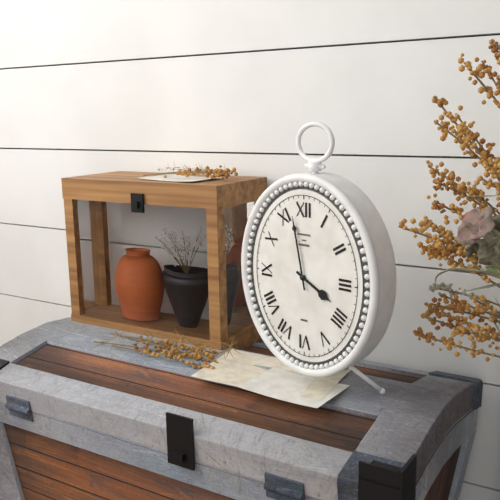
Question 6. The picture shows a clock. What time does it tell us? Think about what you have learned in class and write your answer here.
3:58
